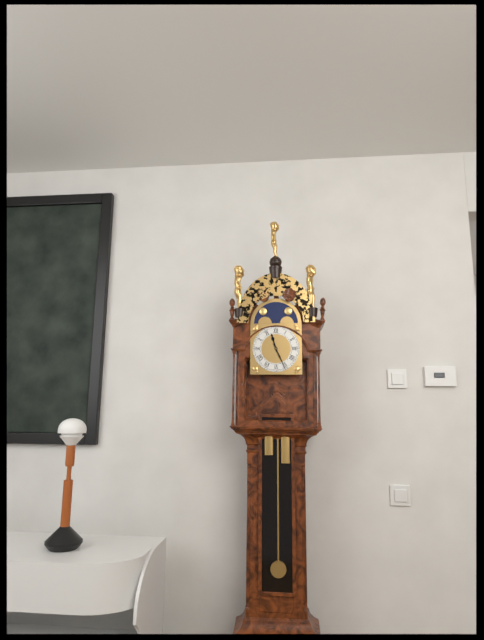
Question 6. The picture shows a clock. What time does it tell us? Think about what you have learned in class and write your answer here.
11:26
